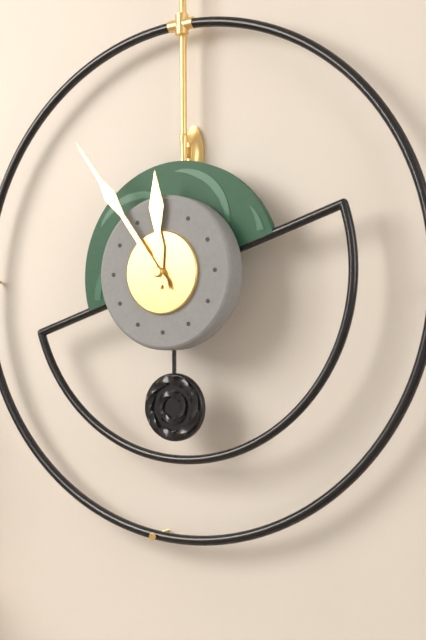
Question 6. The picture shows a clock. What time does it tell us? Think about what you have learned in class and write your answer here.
11:54
